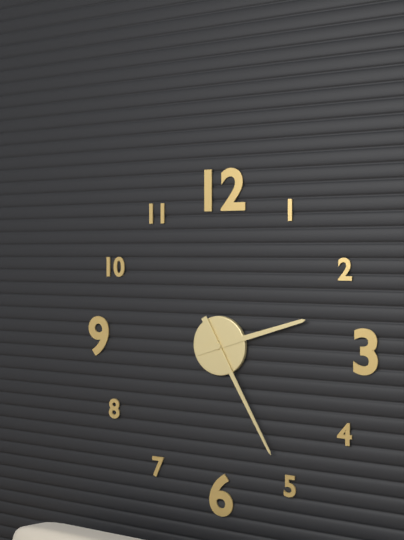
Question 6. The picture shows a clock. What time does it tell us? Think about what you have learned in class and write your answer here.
2:25
